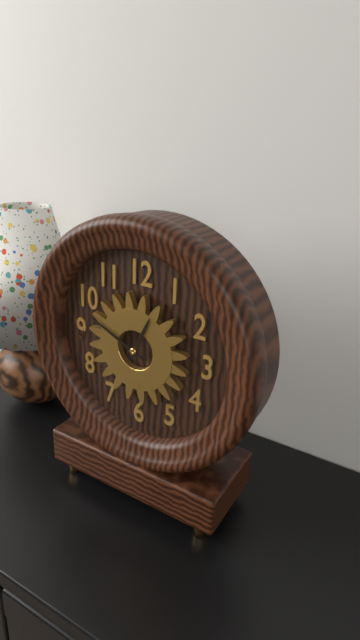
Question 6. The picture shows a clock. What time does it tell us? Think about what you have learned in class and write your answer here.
12:49
